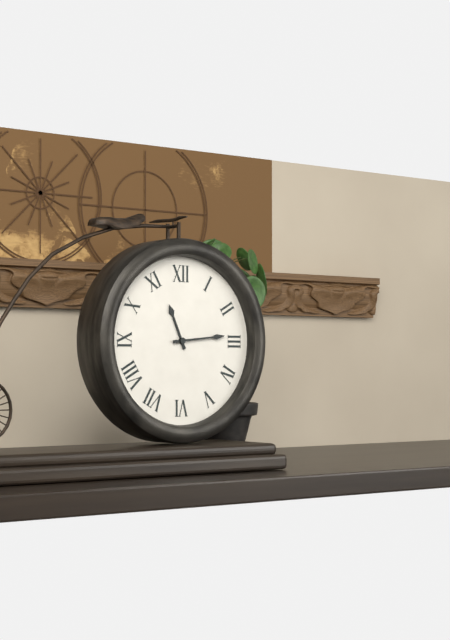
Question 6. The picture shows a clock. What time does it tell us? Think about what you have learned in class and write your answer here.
11:14
